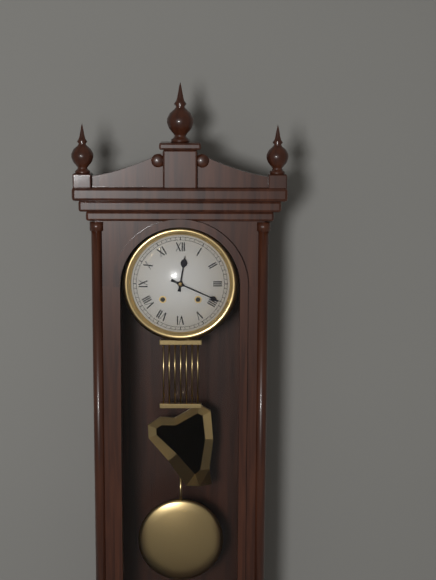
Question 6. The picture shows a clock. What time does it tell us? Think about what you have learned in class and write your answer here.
12:19
